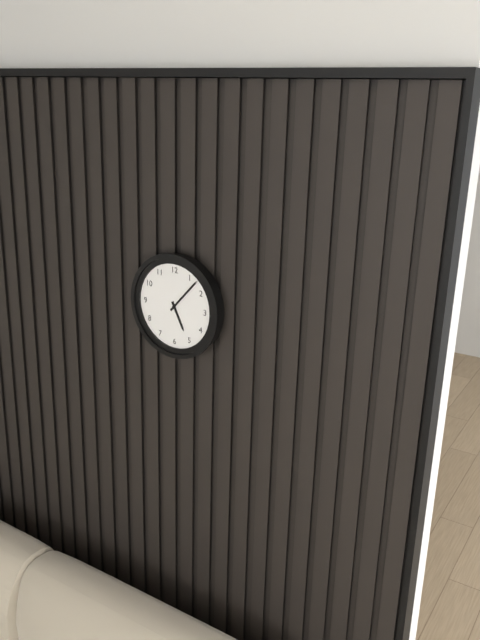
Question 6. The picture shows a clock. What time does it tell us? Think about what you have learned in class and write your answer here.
5:07
